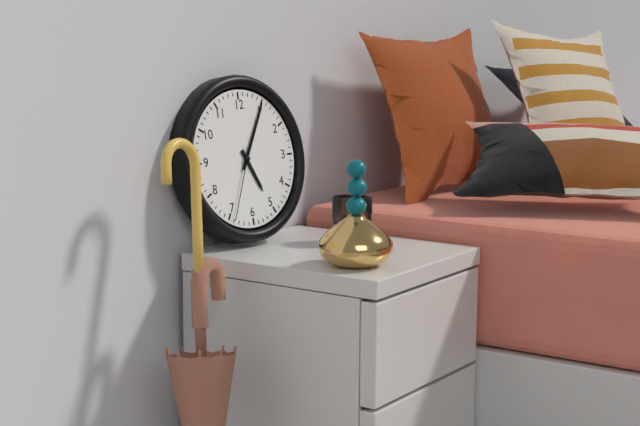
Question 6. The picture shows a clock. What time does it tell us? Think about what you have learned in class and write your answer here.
5:05:34
